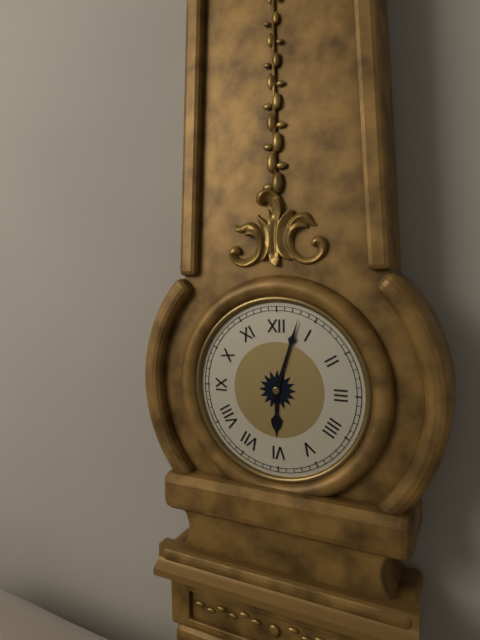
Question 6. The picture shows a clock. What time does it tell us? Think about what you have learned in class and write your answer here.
6:03
